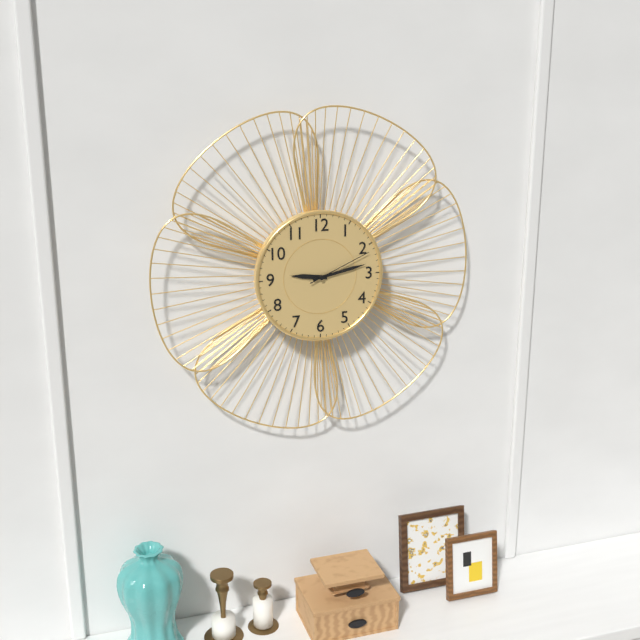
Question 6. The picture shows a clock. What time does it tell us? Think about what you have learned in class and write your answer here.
9:13:11
